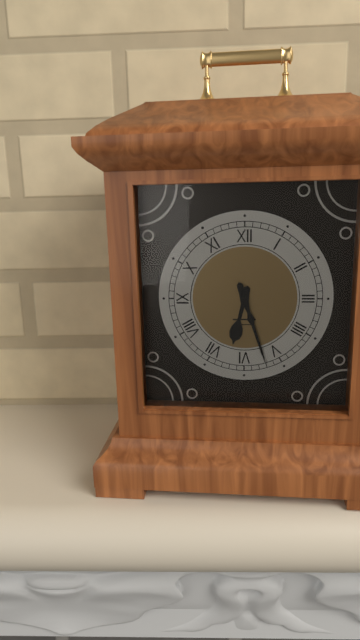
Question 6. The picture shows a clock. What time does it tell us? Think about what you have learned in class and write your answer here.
6:27
